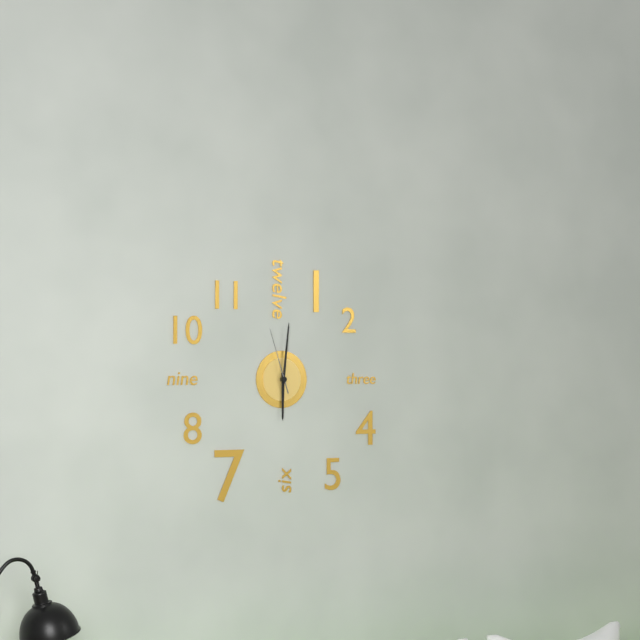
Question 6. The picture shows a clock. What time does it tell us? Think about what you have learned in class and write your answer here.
6:01:57
